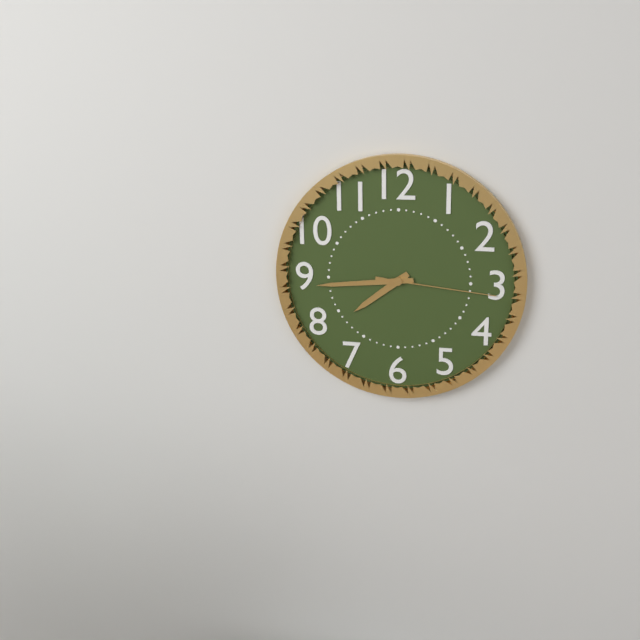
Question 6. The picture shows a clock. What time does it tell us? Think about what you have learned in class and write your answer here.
7:44:16
